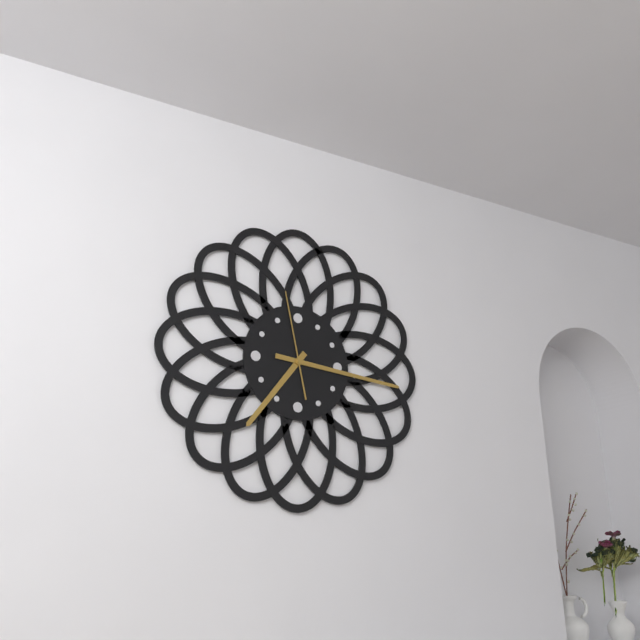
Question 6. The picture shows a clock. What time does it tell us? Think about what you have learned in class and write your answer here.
7:16:58
